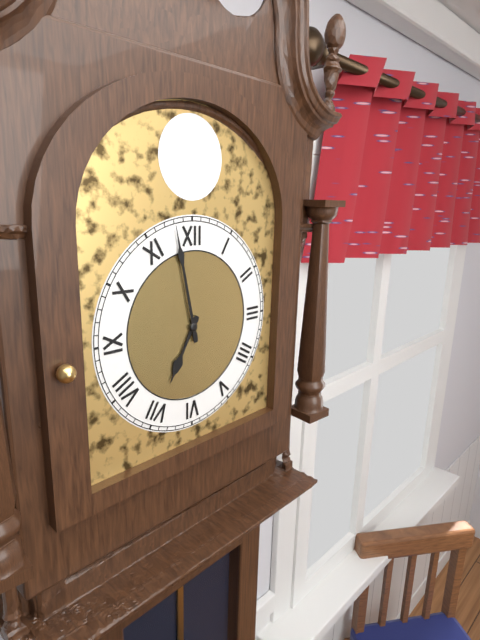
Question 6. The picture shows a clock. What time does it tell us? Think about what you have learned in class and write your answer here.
6:58
